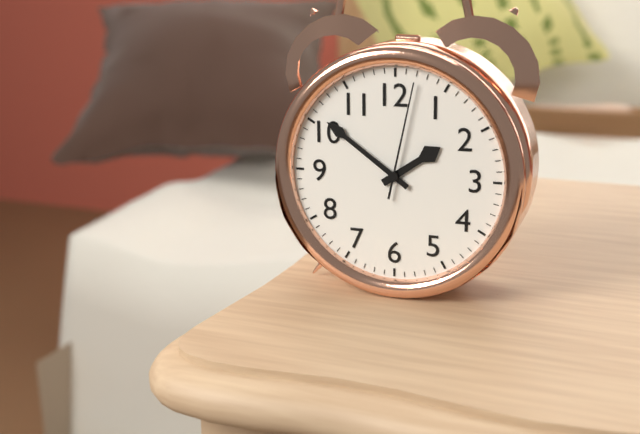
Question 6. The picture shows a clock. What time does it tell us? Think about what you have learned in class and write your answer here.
1:51:02
